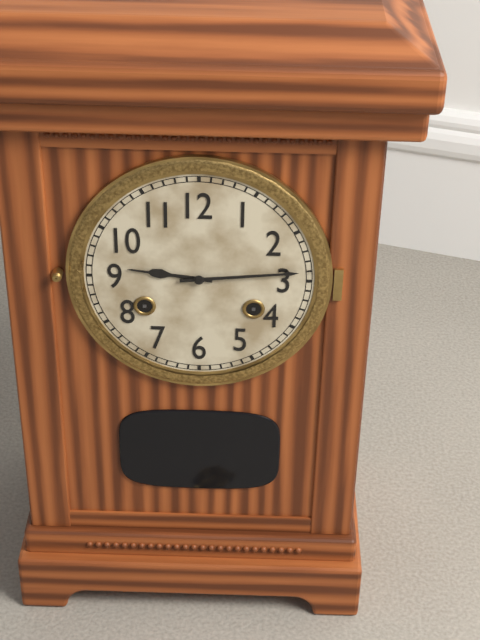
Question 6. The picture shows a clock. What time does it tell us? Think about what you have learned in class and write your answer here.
9:14
